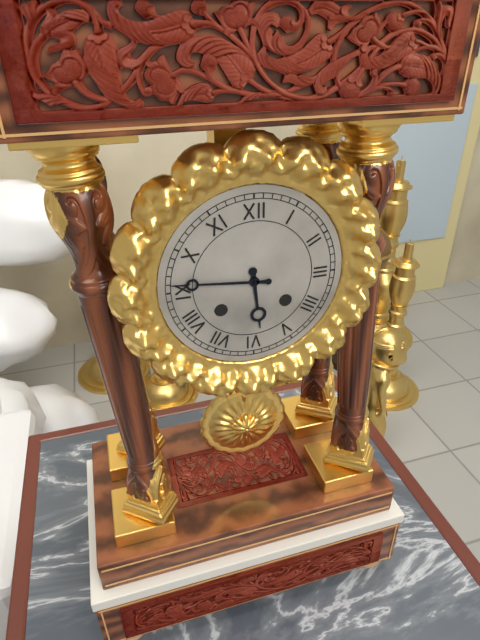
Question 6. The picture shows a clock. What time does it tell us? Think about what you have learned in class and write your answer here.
5:46
